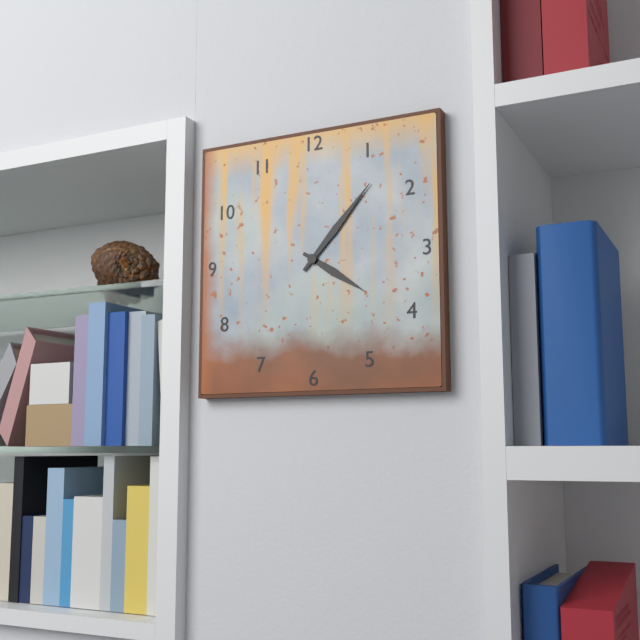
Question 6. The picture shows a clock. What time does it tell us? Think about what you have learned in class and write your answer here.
4:07
